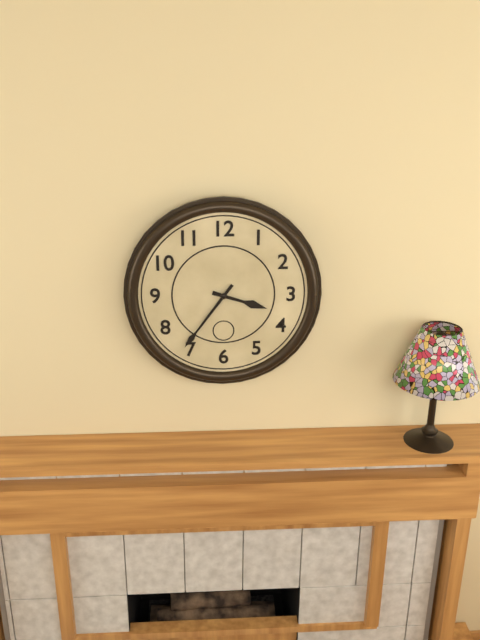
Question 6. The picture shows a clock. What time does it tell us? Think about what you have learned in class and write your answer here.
3:36
